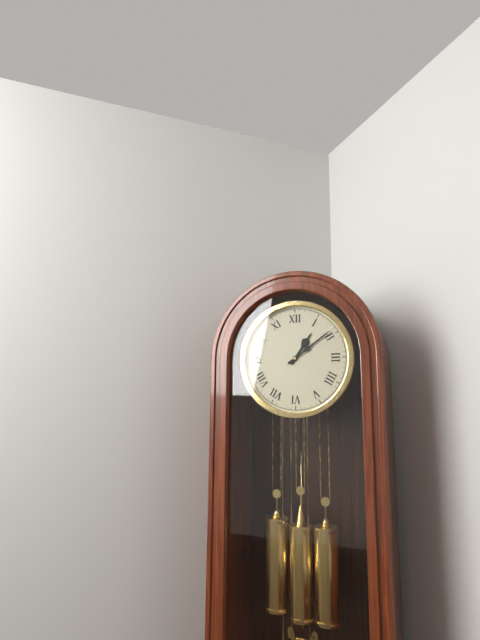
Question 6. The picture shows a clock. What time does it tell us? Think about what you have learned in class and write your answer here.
1:09
